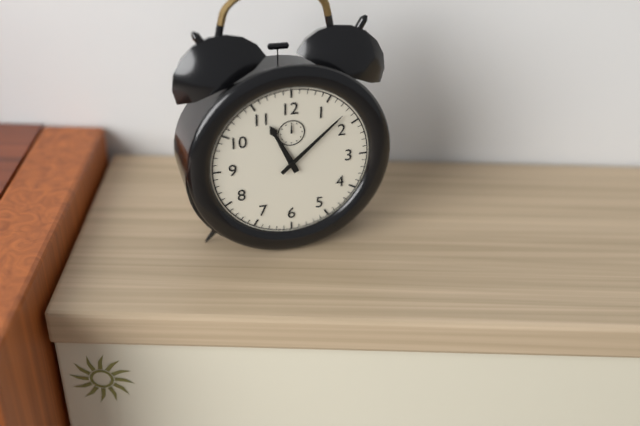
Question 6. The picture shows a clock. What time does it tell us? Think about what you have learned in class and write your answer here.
11:08
